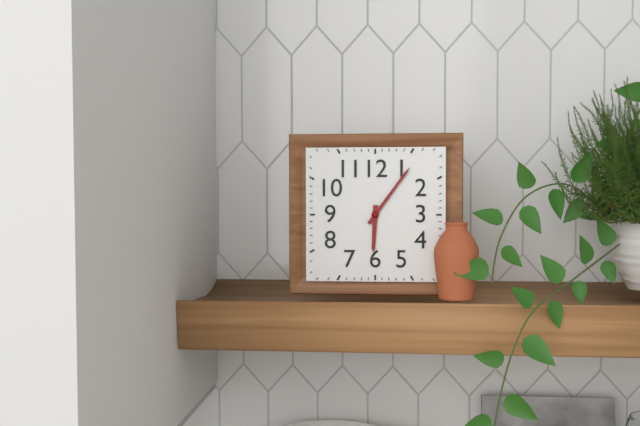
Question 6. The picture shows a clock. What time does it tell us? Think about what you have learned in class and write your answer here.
6:06
